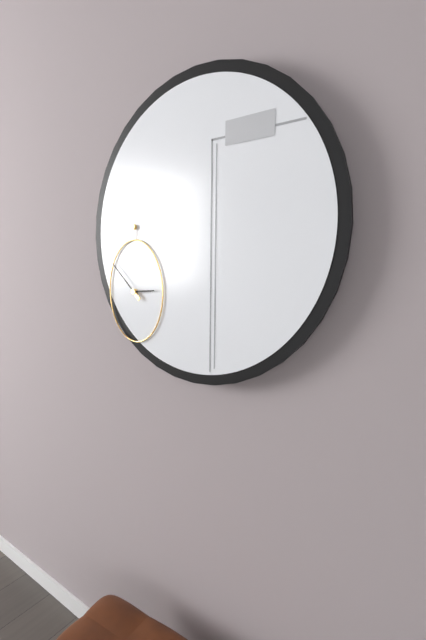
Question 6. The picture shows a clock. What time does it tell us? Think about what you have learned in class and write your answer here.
2:52
